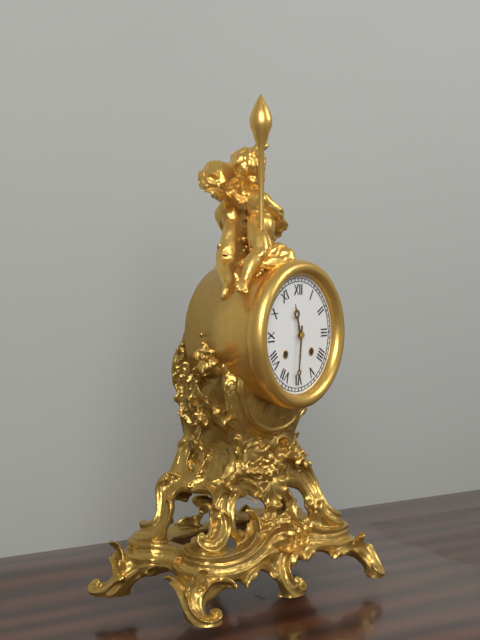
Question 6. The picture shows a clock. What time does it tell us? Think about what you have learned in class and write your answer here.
11:31
